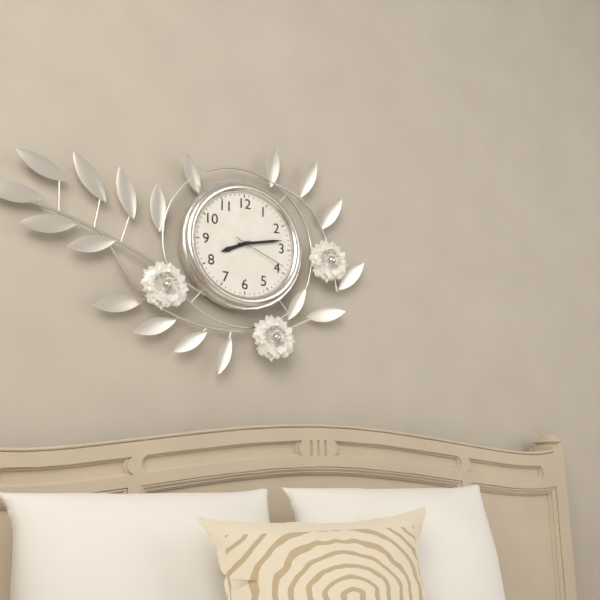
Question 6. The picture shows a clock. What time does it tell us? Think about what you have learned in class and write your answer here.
8:13:19
